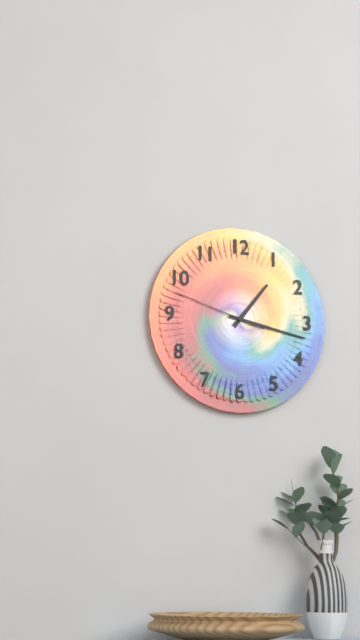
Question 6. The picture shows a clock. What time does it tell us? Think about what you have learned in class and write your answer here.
1:17:48
